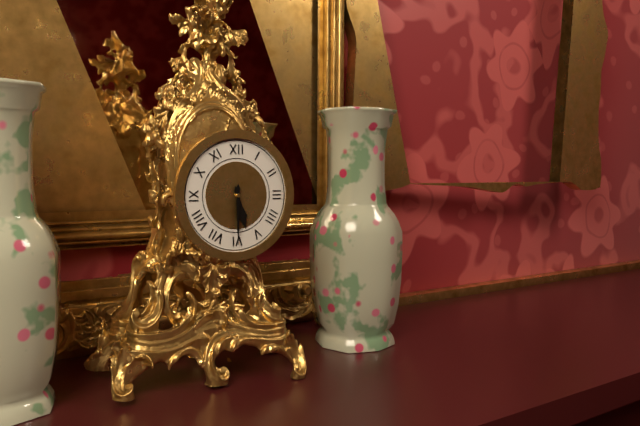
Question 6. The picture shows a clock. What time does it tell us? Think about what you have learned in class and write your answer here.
5:30
